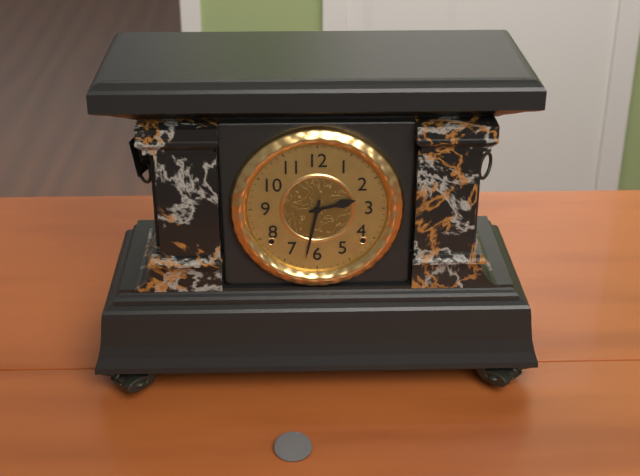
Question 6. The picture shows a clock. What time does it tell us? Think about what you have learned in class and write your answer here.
2:32
